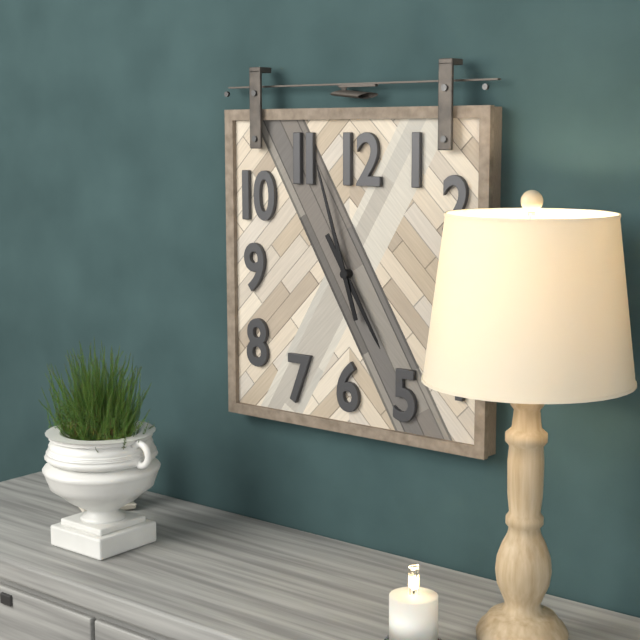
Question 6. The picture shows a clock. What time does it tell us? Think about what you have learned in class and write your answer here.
4:57
